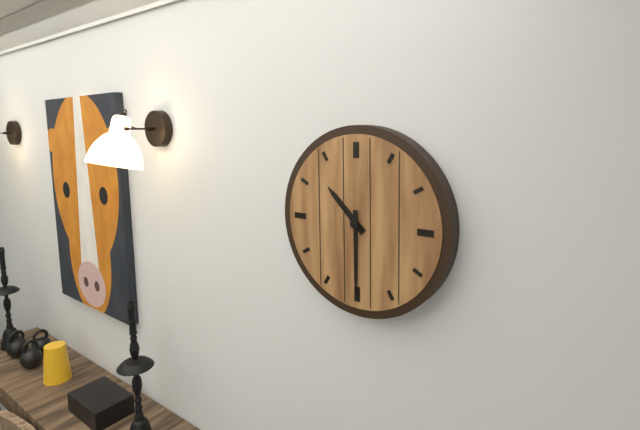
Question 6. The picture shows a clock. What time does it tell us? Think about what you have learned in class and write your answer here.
10:30
